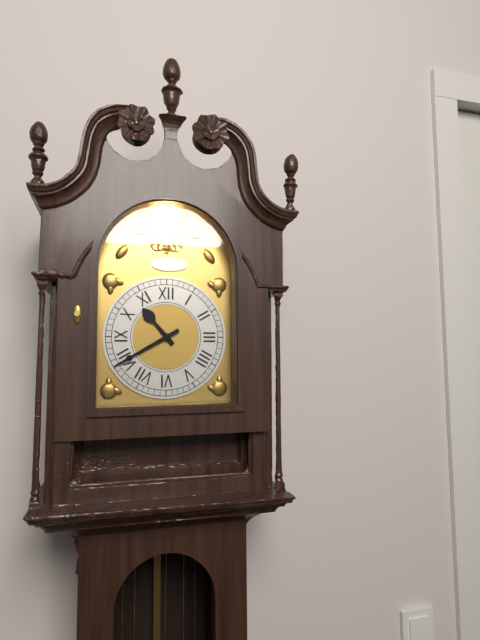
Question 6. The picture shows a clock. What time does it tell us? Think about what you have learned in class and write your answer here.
10:40
